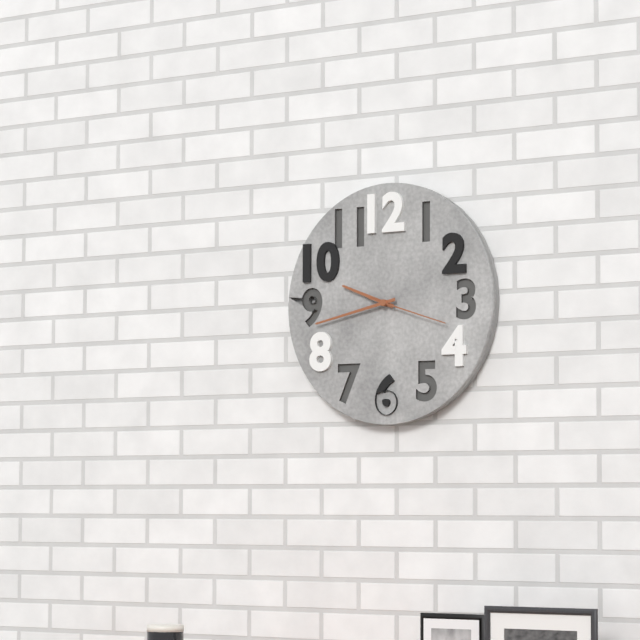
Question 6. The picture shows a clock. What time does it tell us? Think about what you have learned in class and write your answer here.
9:43:18
